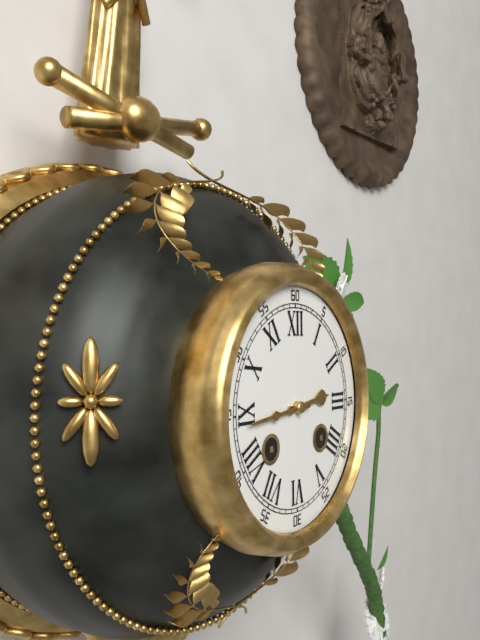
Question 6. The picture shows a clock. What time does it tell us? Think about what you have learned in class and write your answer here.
2:44
